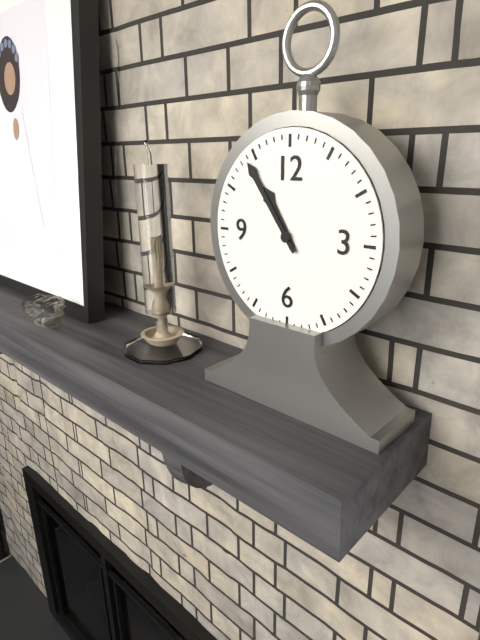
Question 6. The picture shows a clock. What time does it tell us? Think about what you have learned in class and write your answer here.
10:54
